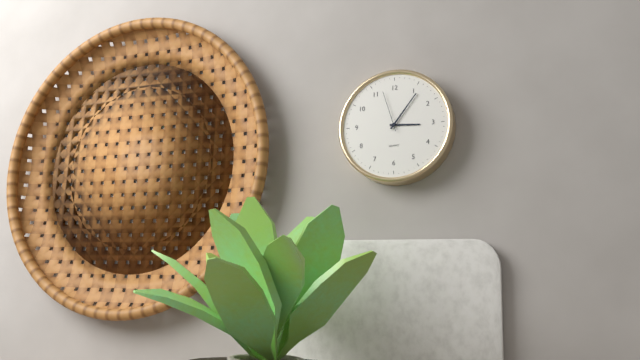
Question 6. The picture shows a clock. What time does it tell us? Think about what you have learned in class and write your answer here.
3:06
